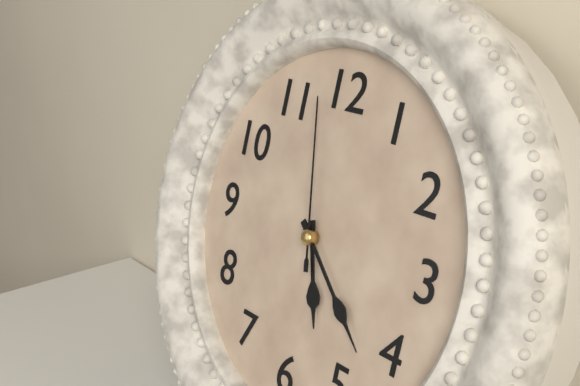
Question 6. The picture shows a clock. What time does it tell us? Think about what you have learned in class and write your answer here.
5:22:58
